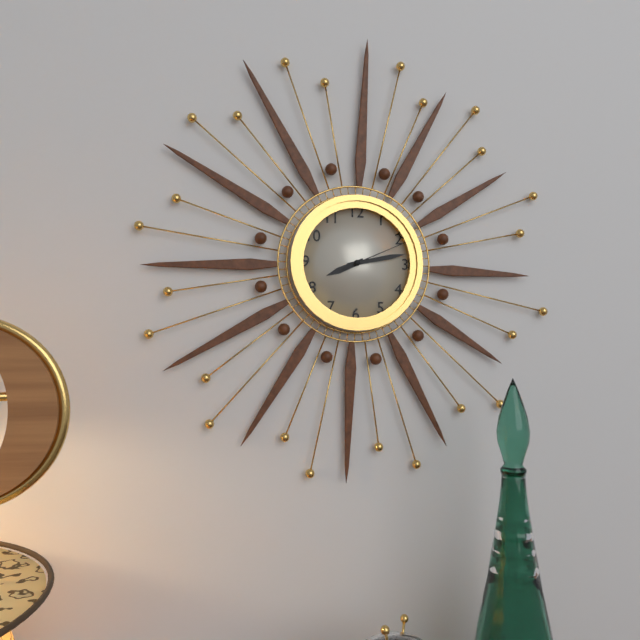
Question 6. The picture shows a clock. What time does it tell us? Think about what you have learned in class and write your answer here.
8:13:11
